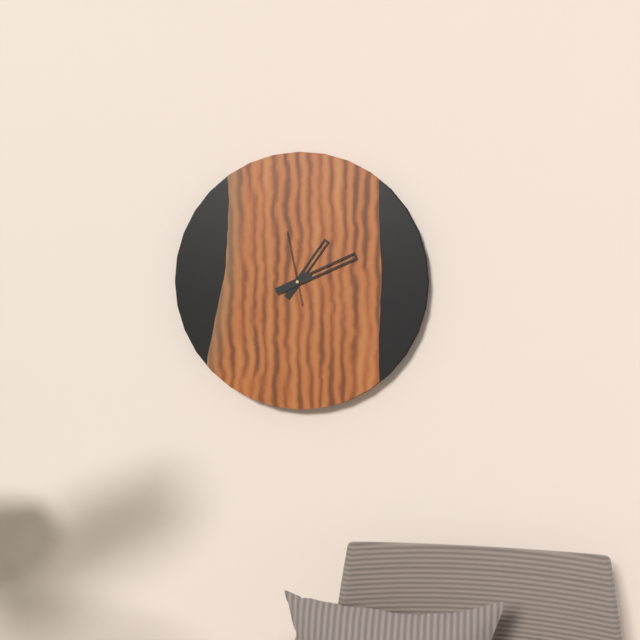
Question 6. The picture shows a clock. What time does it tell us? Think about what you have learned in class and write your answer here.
1:11:58
